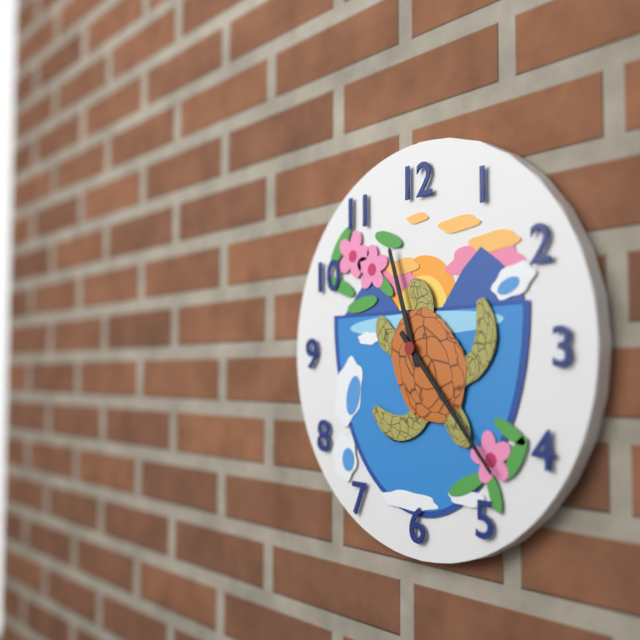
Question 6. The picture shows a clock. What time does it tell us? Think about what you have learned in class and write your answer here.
11:23
